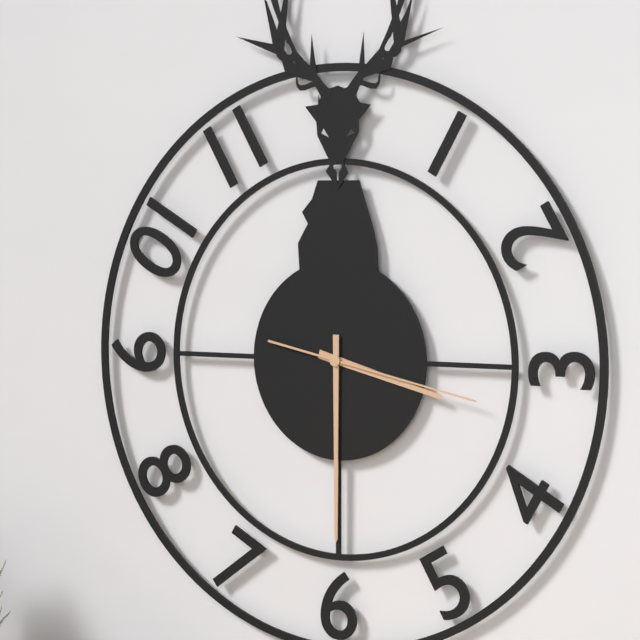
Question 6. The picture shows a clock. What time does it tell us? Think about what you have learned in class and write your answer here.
3:30:17
